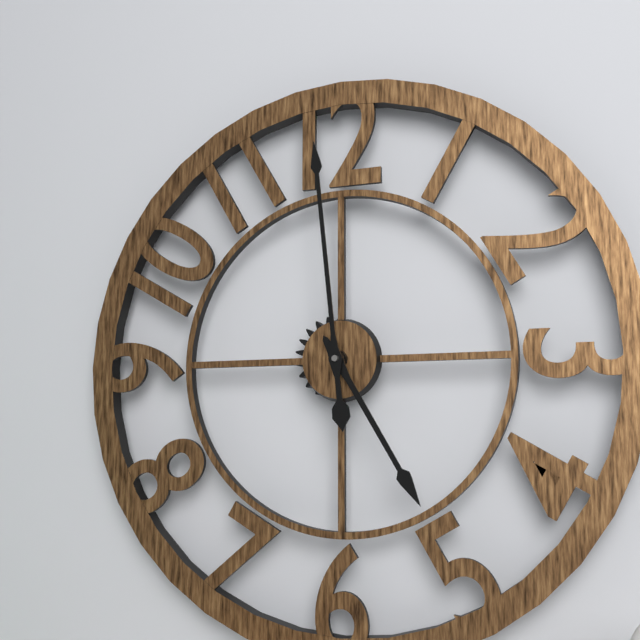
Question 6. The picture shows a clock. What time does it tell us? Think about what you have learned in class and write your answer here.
4:59
